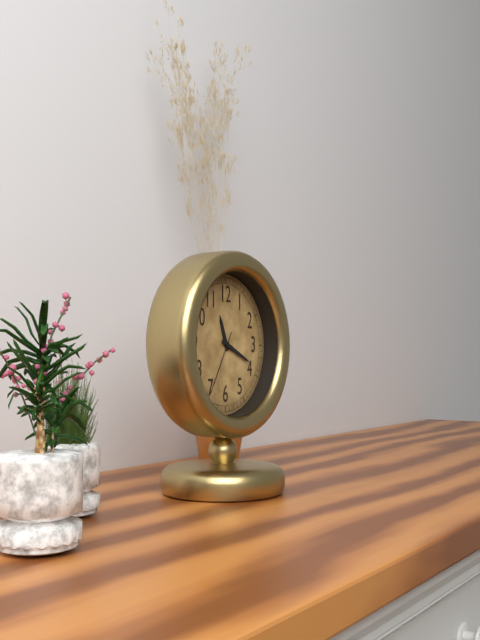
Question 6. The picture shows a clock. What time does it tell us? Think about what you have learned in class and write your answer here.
11:19:35
